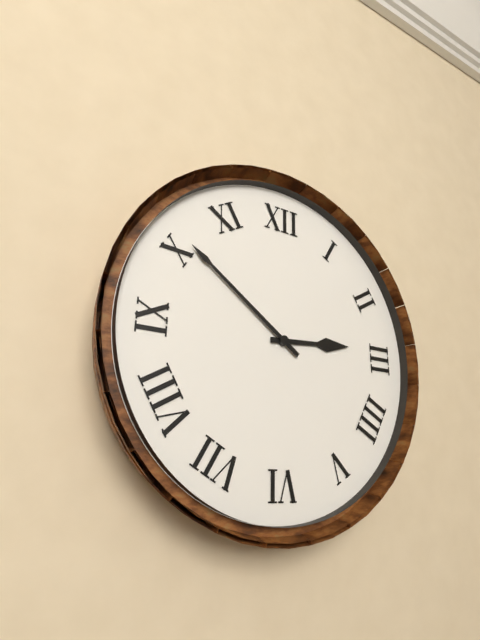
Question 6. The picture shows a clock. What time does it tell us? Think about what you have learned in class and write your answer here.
2:51
